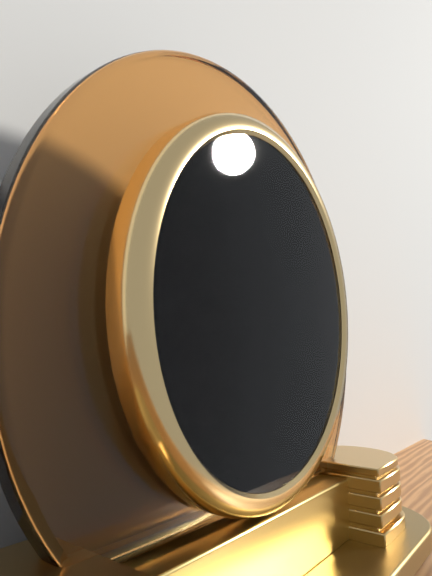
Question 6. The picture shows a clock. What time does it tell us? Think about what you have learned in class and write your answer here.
8:31
